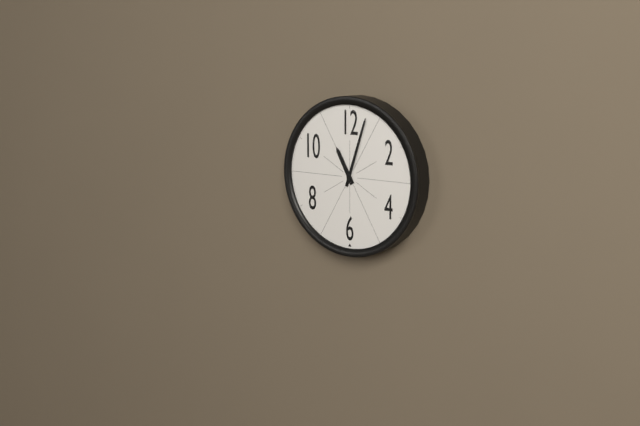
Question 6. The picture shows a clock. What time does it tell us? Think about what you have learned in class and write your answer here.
11:03
